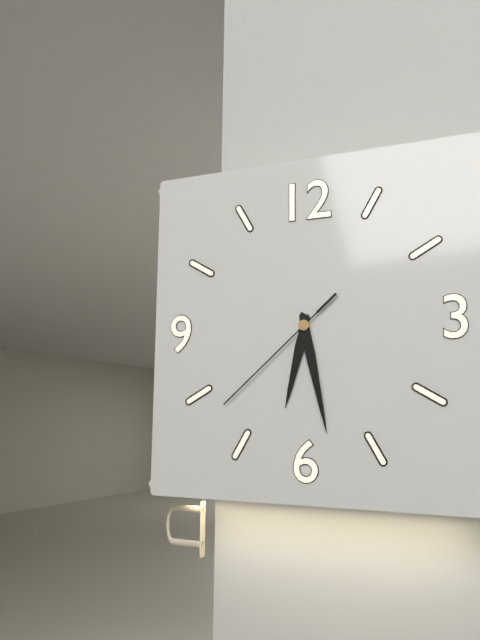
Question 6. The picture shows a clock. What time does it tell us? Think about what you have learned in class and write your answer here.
6:28:38
